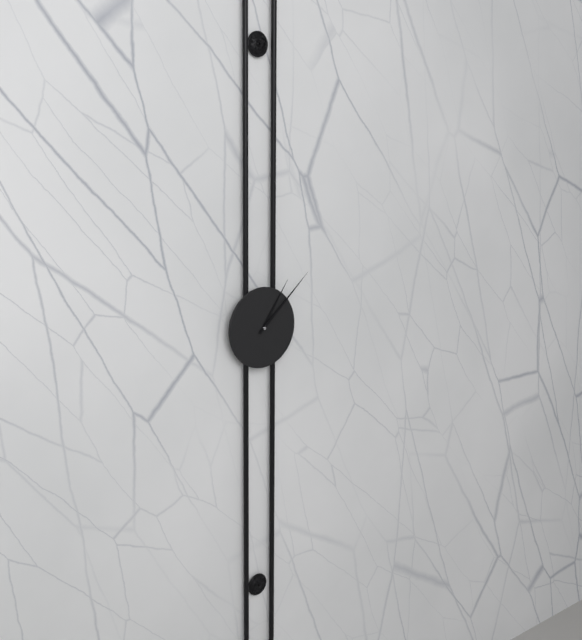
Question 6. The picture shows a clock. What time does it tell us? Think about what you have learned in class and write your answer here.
1:08
